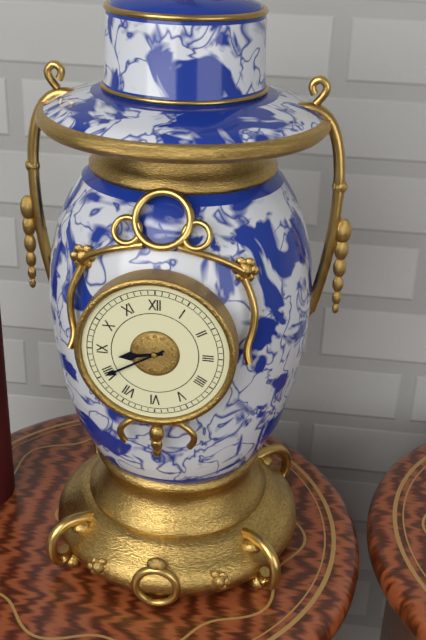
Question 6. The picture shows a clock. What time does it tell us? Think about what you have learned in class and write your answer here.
8:40
